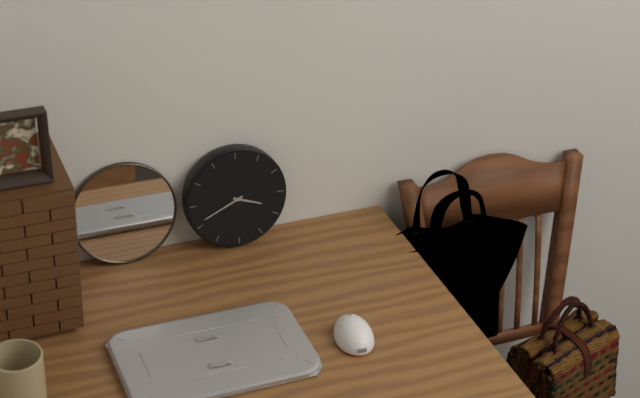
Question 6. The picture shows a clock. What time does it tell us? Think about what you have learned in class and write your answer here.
3:41
